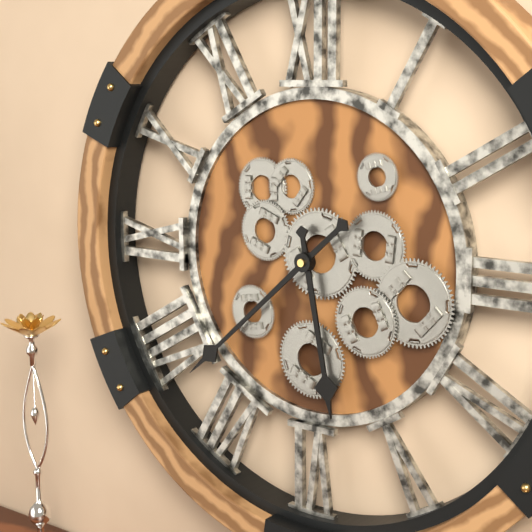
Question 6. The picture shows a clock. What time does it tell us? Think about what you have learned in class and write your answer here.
5:38
